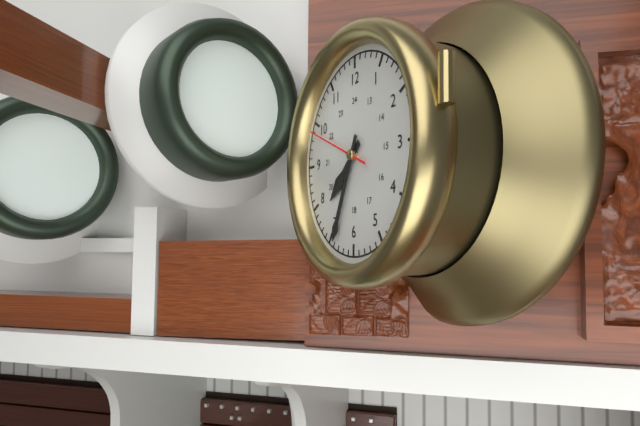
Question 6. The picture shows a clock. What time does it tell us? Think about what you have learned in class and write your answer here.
7:34:49
